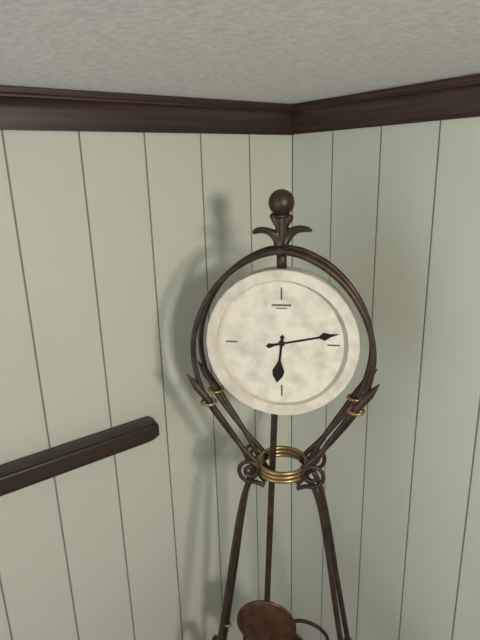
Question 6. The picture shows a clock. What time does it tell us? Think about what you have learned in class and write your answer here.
6:13
